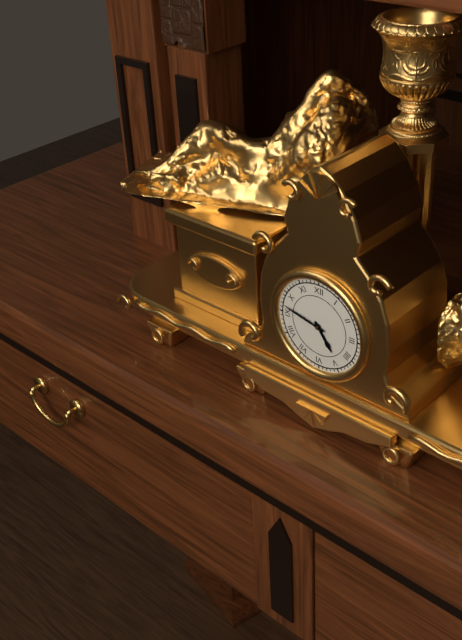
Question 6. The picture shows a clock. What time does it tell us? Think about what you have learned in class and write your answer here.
4:47
